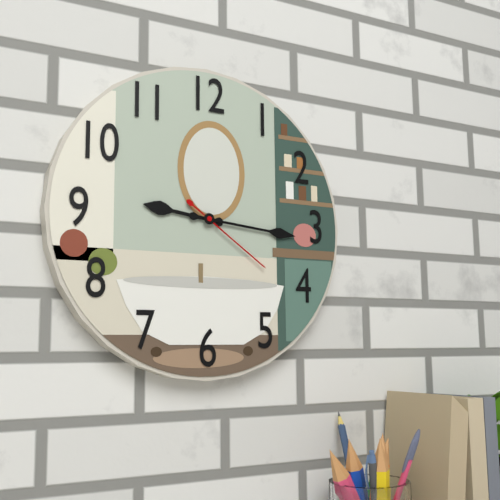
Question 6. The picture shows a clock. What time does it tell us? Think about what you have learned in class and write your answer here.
9:16:21
